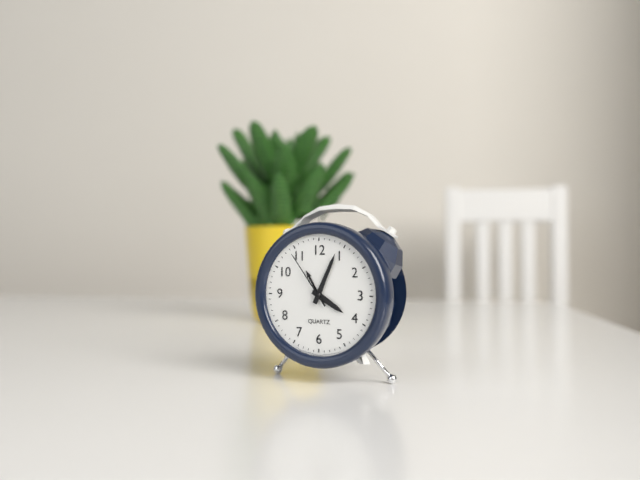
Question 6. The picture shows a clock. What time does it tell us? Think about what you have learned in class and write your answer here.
4:04:54
